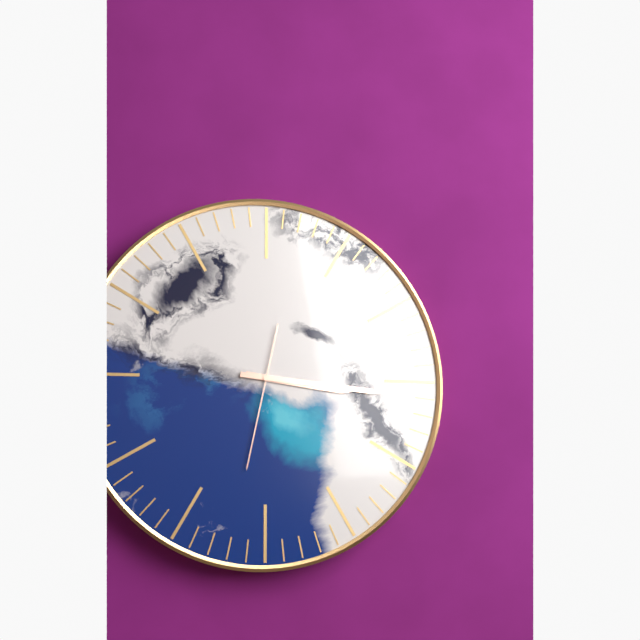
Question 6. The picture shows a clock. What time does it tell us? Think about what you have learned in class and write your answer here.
3:16:32
